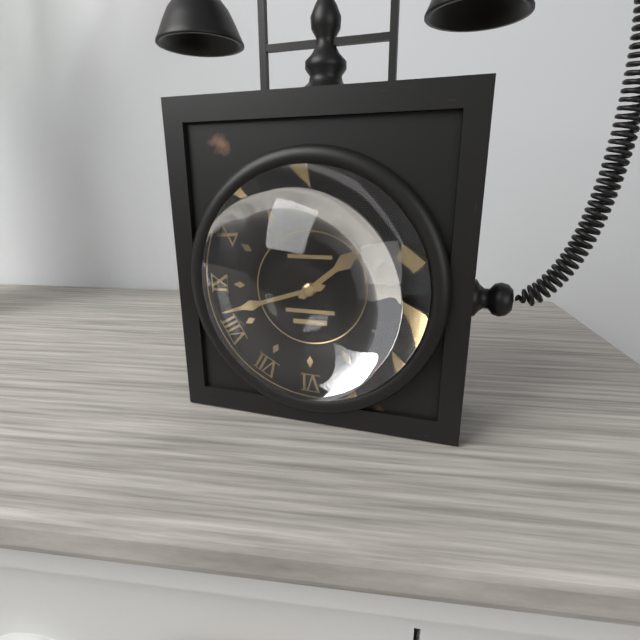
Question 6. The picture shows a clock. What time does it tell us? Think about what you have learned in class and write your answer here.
1:42
